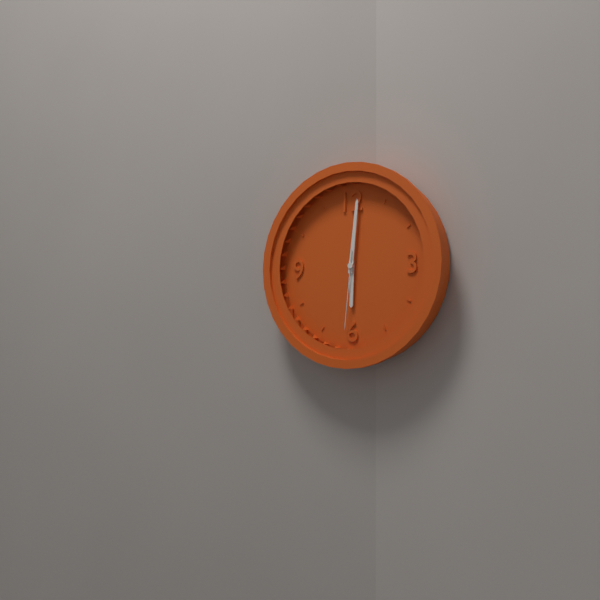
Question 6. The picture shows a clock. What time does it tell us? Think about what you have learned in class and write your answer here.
6:01:31
